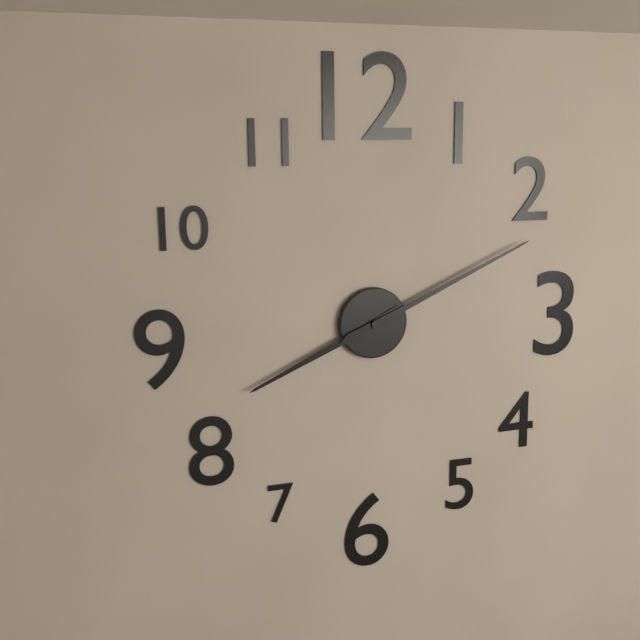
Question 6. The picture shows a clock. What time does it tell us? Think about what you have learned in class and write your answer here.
8:11
